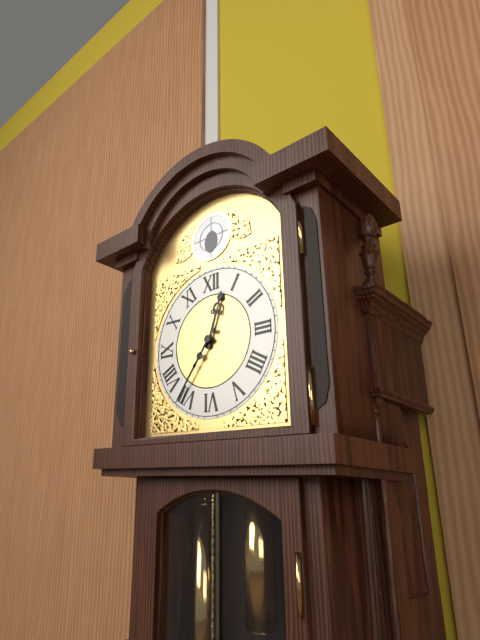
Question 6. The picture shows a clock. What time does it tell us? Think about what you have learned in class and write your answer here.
12:36
